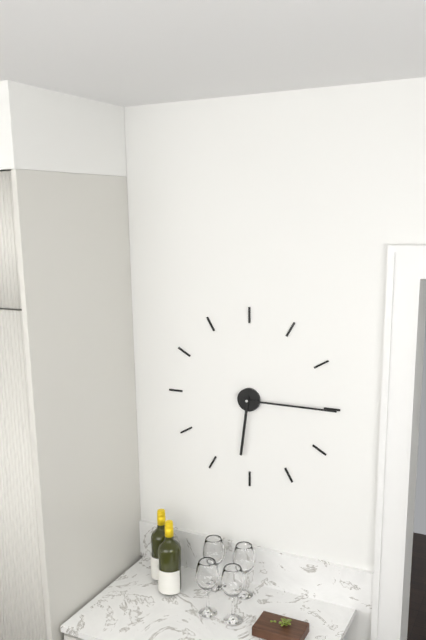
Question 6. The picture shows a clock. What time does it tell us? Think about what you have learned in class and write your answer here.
6:15
